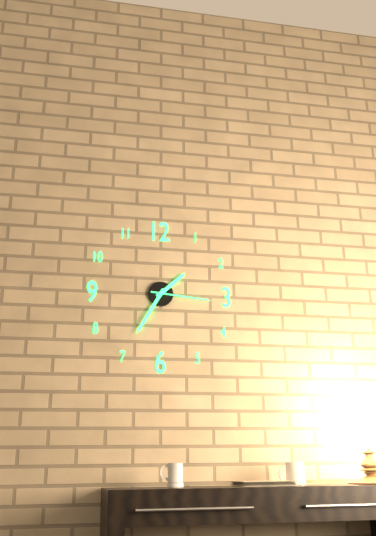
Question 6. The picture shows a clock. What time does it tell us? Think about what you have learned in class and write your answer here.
1:35:16
